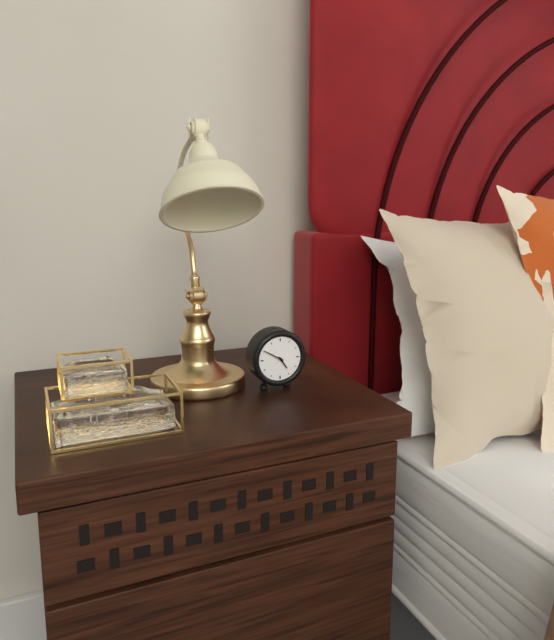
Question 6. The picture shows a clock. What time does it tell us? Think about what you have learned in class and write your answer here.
4:50
